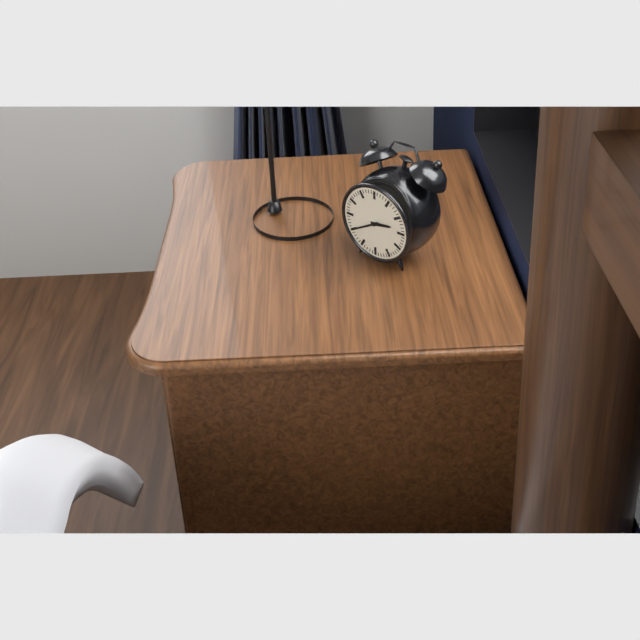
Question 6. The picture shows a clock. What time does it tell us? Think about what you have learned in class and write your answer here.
2:40
